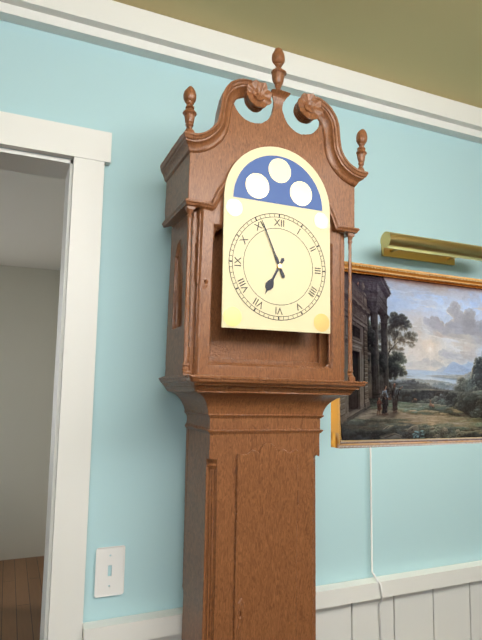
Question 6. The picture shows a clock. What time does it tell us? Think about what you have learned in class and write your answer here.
6:56
